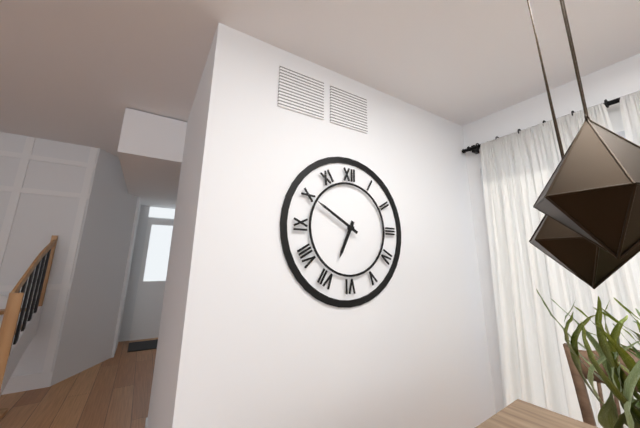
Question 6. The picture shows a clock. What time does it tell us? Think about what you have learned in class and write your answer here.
6:50
